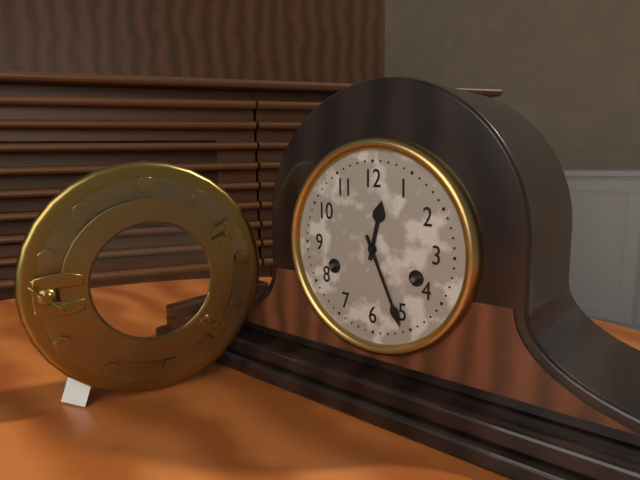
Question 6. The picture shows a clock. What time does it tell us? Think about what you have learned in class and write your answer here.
12:26
